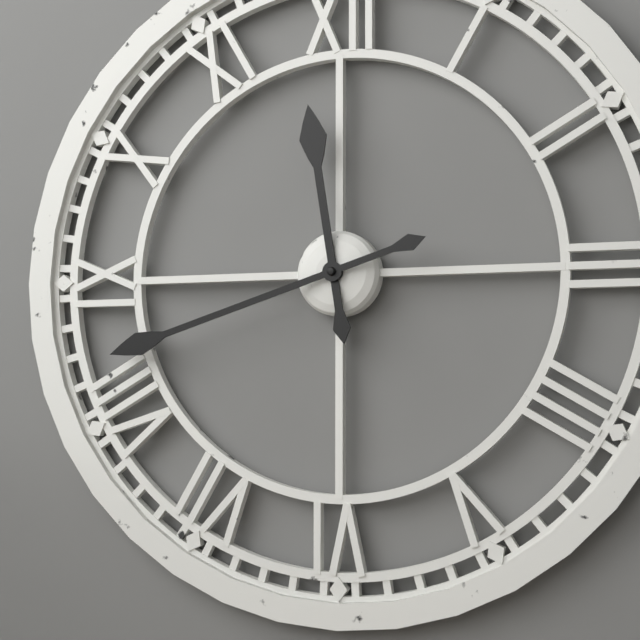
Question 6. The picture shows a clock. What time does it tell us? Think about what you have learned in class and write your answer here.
11:42
